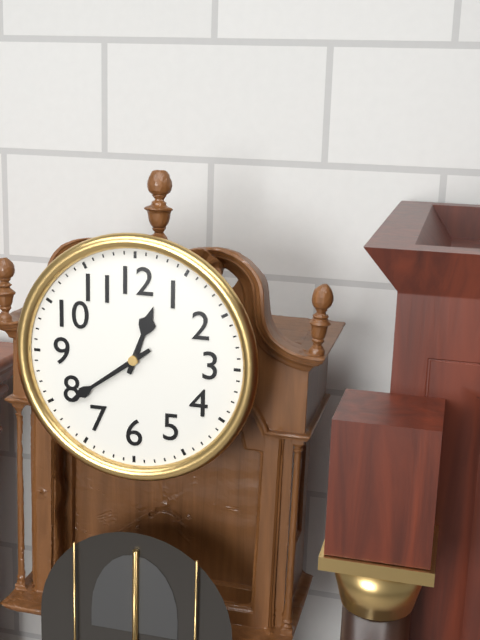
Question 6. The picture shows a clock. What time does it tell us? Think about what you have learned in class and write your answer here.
12:39
